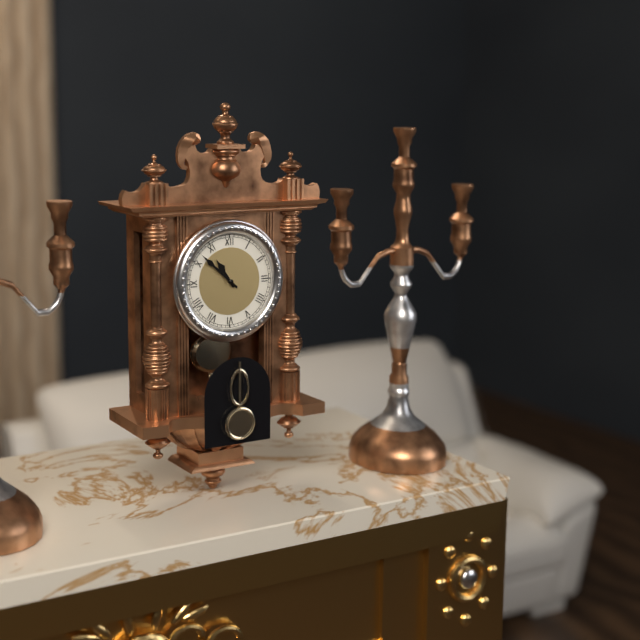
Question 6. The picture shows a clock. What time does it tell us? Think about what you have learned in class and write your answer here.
10:52
